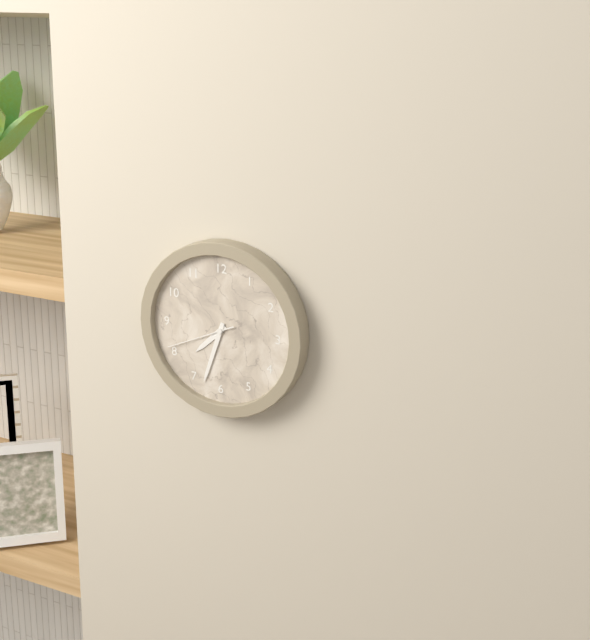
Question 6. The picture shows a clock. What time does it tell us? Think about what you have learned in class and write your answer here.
7:33:41
